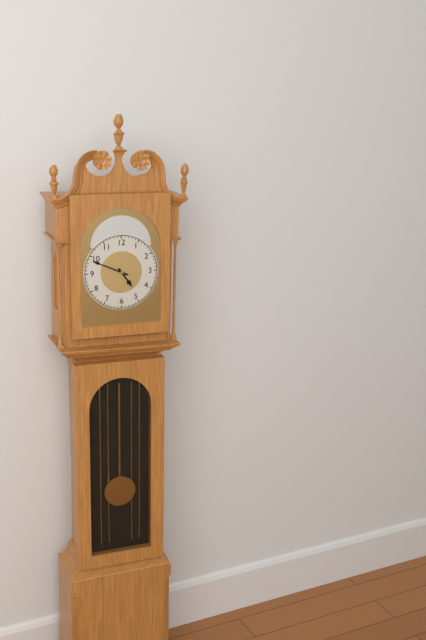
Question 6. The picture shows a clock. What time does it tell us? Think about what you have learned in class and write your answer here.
4:49
